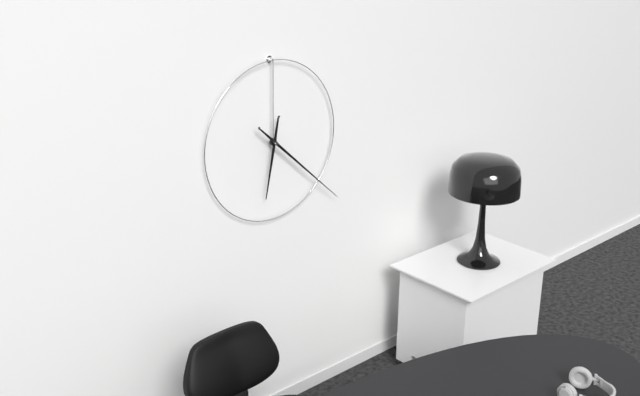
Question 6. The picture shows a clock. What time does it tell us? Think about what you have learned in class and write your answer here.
6:22
